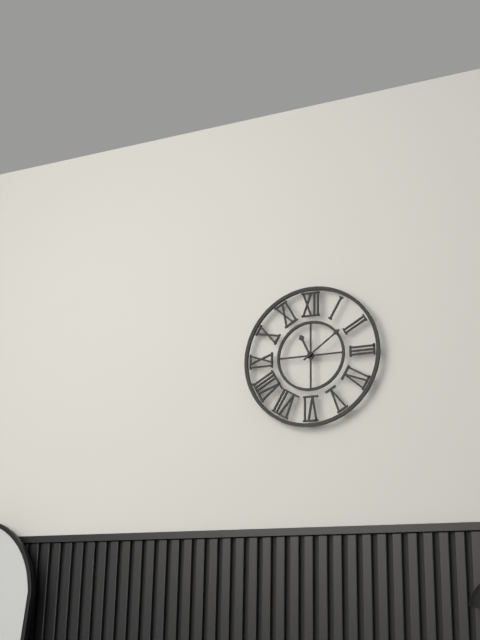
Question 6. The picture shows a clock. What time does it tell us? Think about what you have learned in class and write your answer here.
11:09
